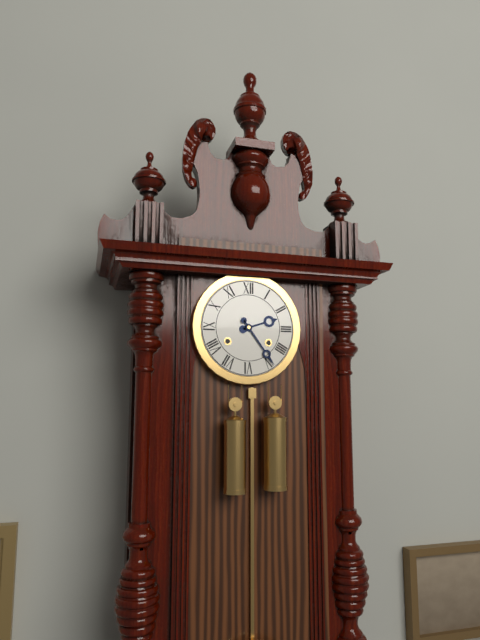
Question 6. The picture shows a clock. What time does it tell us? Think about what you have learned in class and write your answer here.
2:24
